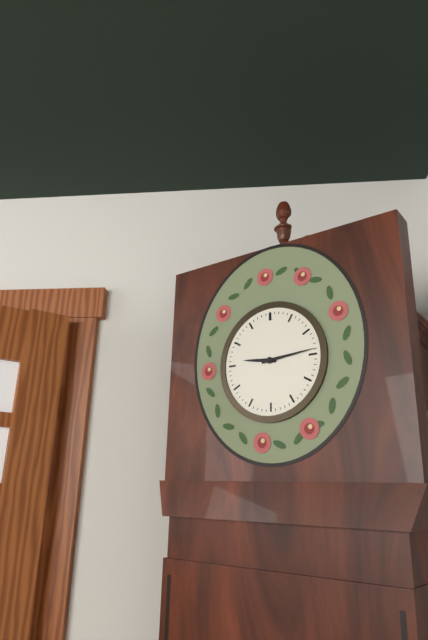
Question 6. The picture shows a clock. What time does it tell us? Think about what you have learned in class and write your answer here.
9:14
